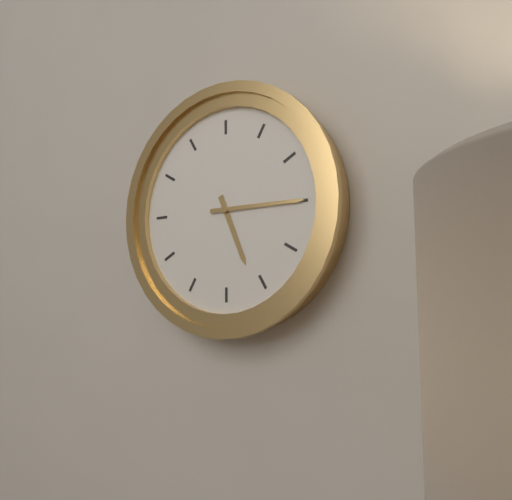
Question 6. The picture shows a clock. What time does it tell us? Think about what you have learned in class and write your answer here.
5:15
